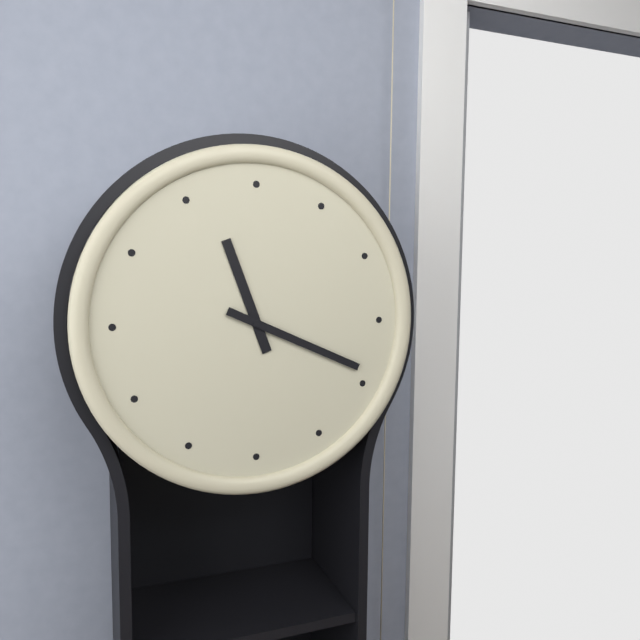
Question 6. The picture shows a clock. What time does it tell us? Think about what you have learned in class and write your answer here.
11:19
